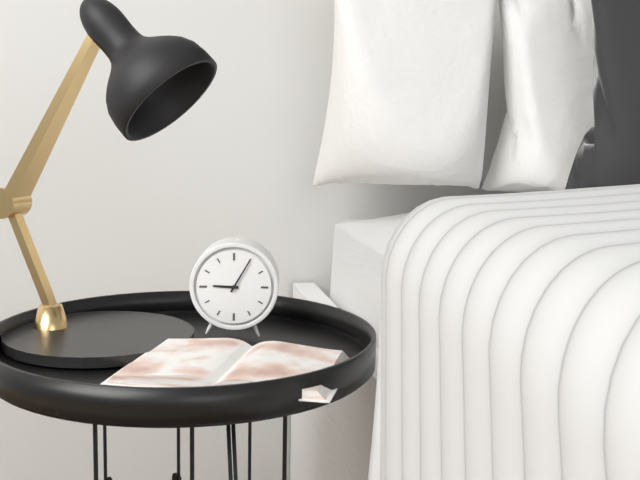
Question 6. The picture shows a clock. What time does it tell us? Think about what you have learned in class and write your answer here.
9:05
